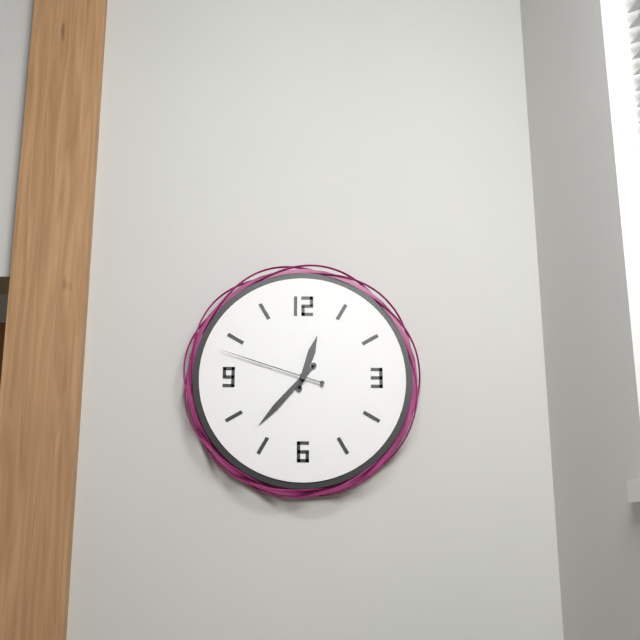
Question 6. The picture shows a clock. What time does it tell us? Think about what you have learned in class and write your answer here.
12:37:48
